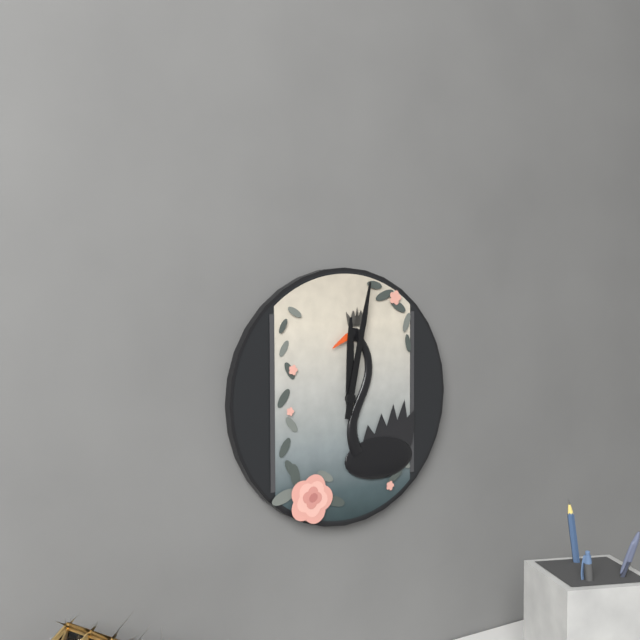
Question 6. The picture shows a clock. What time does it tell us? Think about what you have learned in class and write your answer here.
12:02
